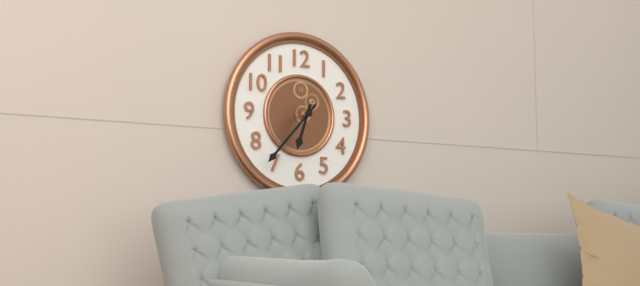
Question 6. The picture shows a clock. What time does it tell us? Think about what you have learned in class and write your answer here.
6:37
